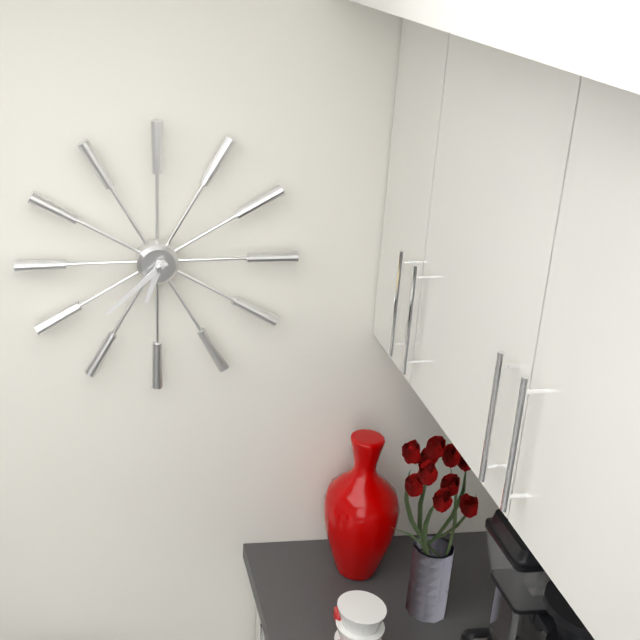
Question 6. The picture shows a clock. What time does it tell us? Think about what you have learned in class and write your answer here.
6:38
